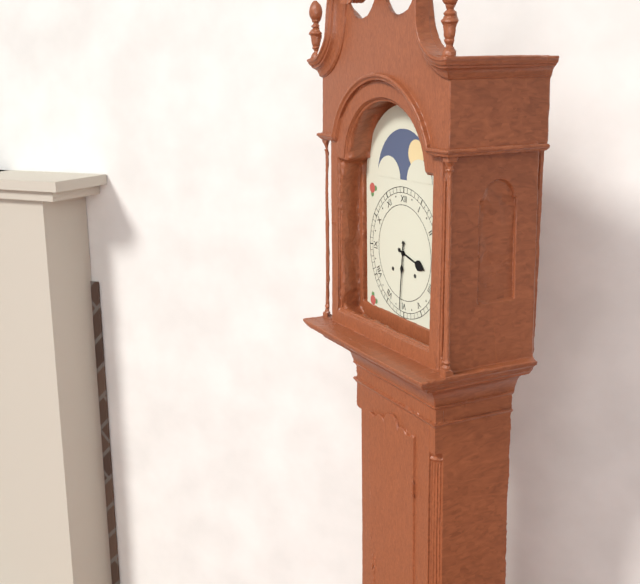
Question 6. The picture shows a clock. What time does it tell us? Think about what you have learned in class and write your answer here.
3:31
